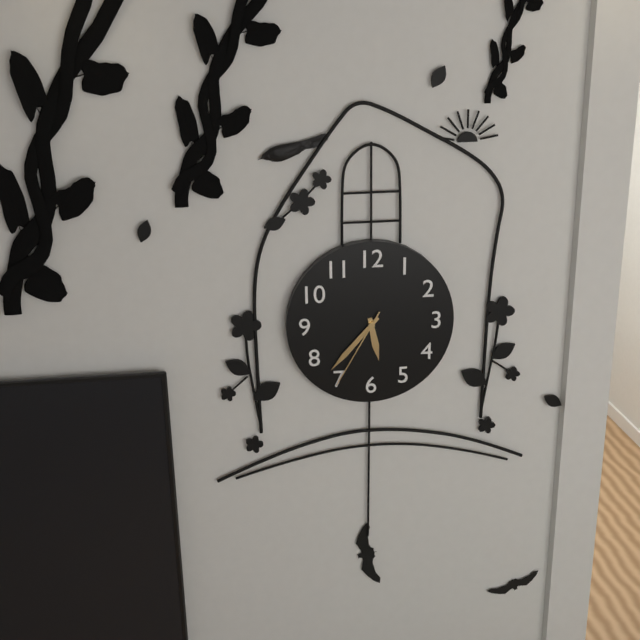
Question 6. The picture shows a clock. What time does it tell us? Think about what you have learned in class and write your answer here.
5:37:35
